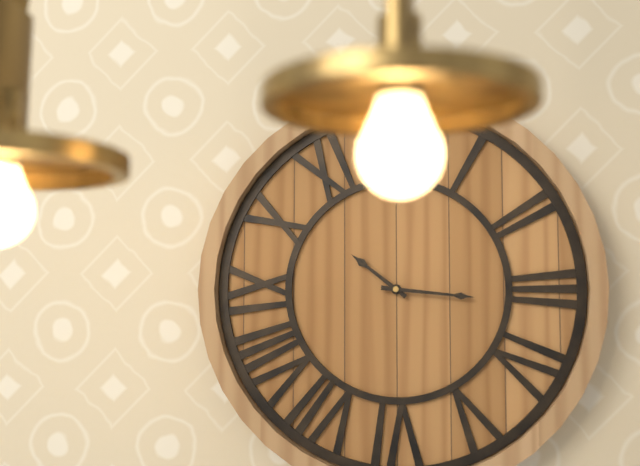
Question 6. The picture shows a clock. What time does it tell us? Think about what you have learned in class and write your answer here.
10:16
